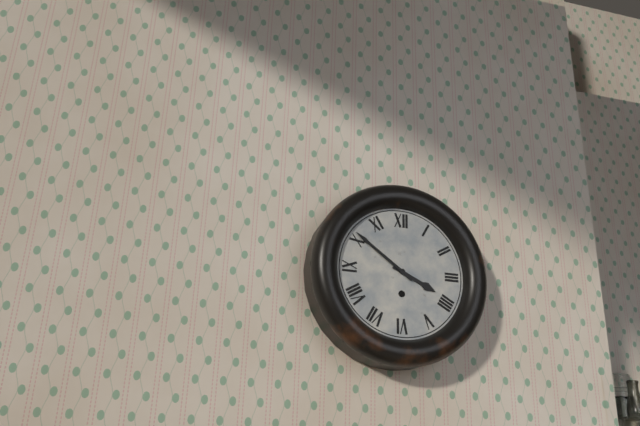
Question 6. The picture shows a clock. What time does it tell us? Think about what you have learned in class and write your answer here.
3:51
